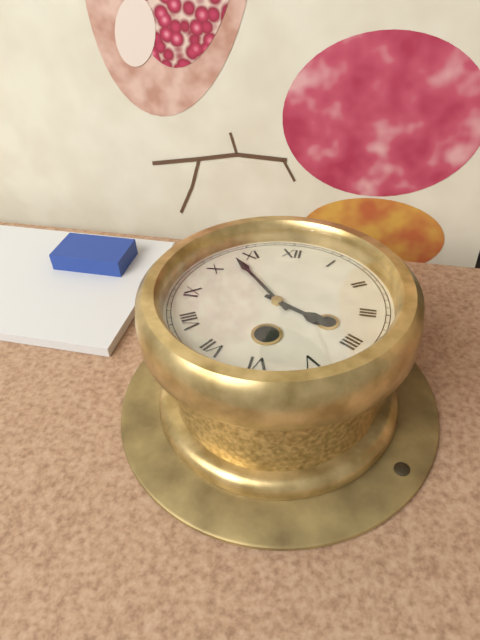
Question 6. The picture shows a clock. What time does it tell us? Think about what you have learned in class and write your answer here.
3:53
